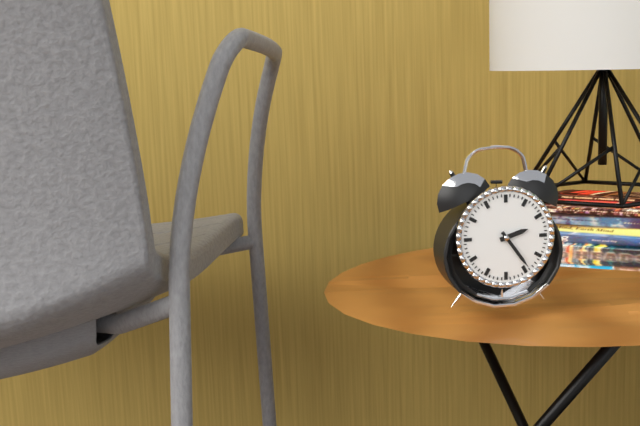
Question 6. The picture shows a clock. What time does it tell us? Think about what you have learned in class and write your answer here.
2:24
